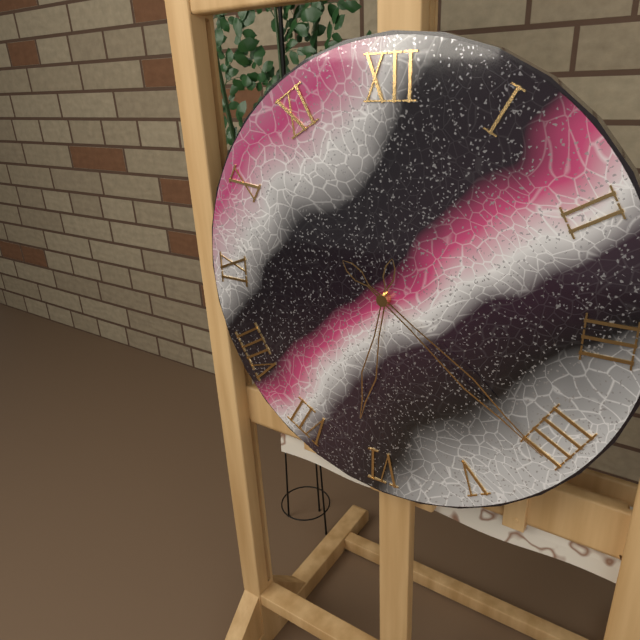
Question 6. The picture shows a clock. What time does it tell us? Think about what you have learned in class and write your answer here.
6:21
